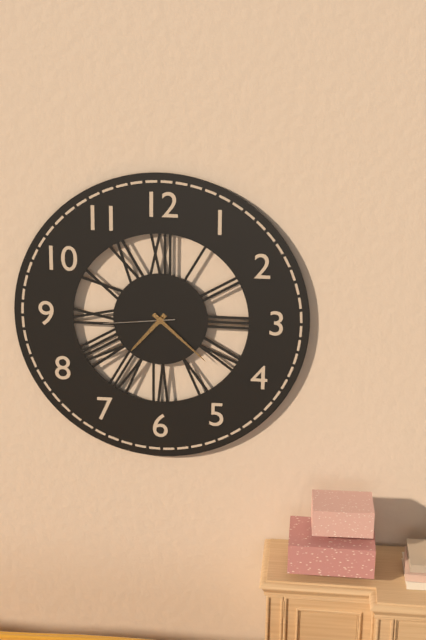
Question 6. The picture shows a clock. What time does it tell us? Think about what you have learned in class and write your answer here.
7:22:44
